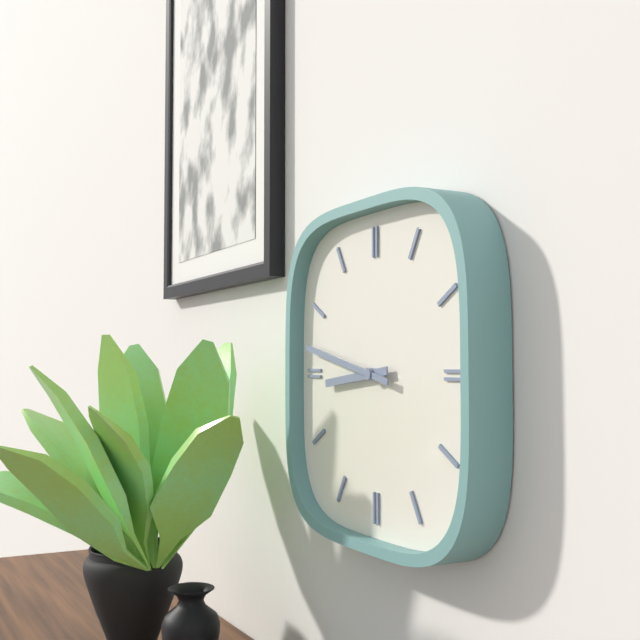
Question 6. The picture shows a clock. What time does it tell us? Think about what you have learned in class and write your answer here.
8:47
